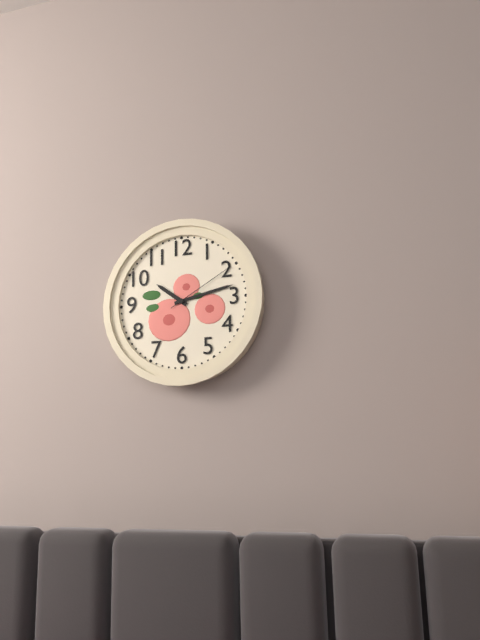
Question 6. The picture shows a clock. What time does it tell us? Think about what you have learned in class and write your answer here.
10:13:10
